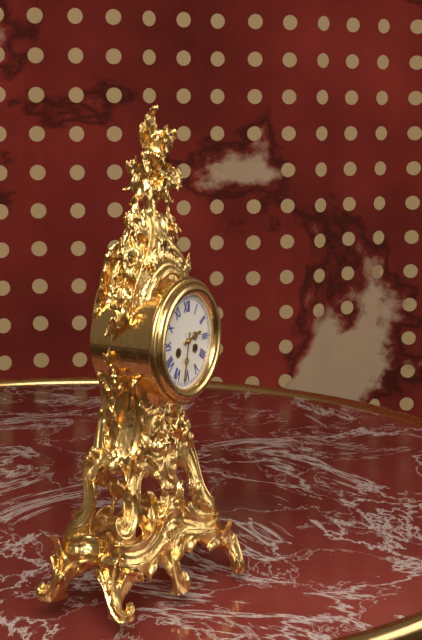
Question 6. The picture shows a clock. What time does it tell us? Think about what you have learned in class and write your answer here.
2:32
